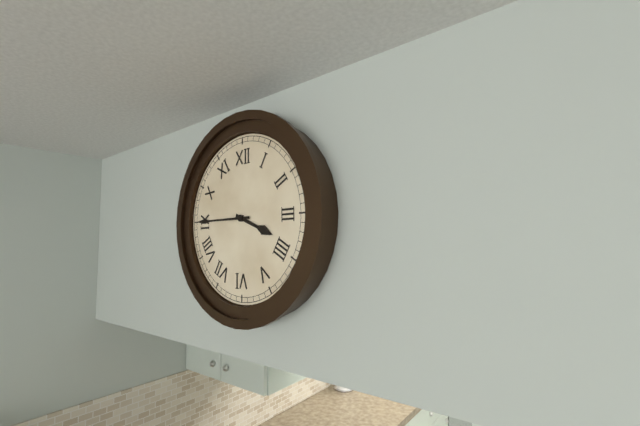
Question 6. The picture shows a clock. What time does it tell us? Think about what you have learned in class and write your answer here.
3:45
